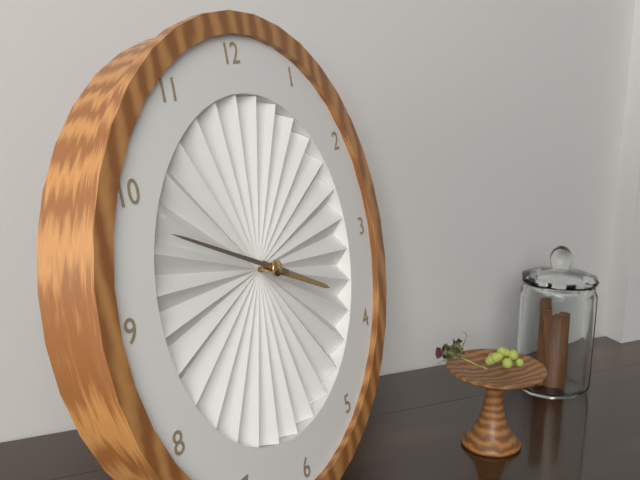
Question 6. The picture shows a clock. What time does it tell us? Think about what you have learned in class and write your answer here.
3:49
